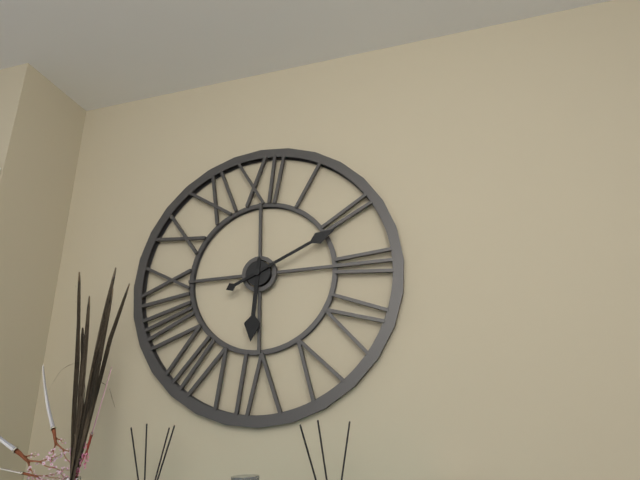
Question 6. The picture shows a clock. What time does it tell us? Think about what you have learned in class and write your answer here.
6:11
